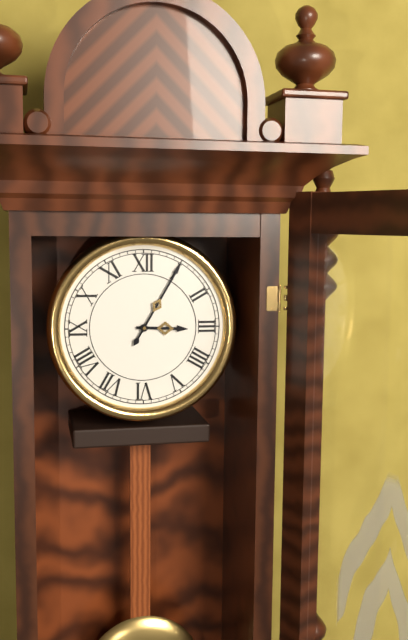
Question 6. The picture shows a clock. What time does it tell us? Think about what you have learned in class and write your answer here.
3:05
